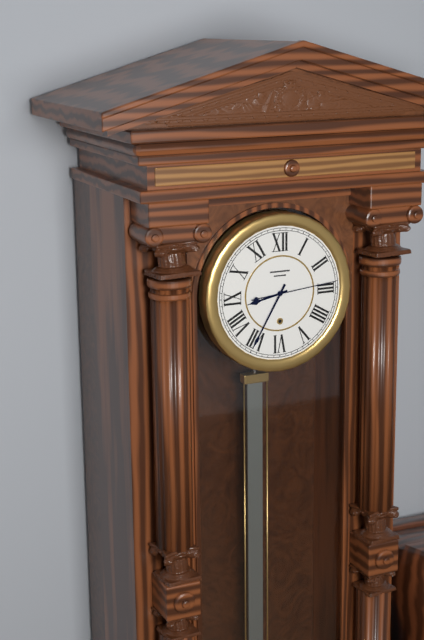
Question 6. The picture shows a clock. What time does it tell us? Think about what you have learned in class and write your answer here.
8:35:14
